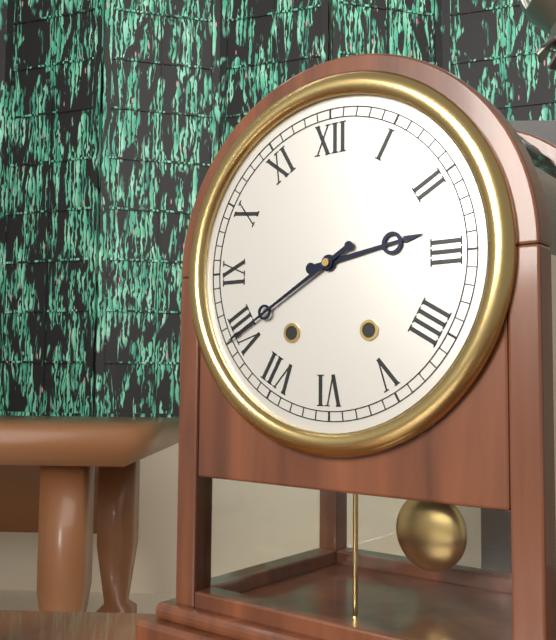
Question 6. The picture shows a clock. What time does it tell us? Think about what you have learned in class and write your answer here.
2:40
